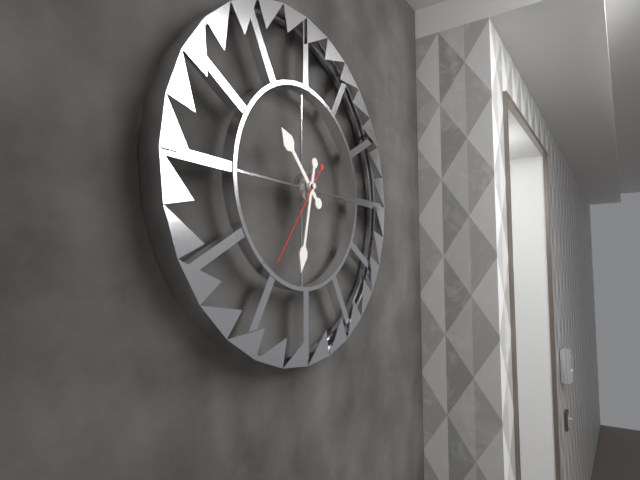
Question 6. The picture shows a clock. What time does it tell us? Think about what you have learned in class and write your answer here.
10:32:36
